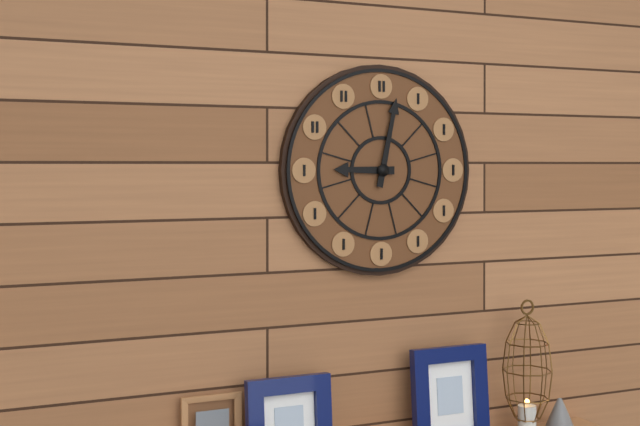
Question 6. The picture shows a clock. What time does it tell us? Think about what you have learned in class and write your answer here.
9:02
